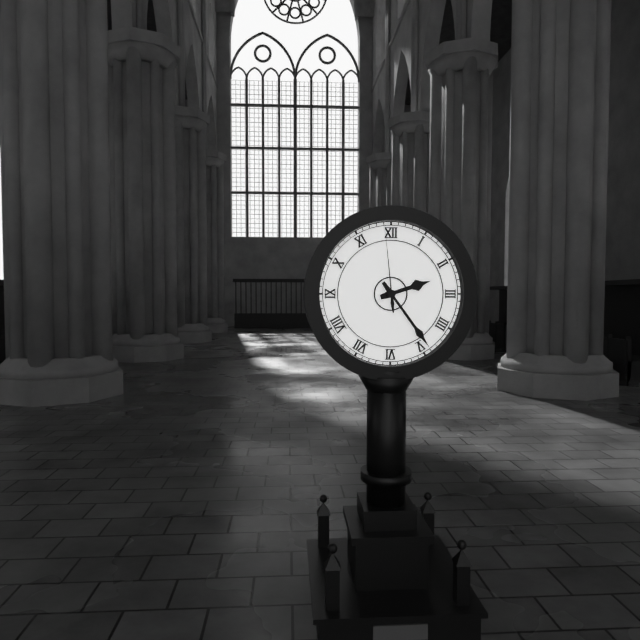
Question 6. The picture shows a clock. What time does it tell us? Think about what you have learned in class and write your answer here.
2:24:59
